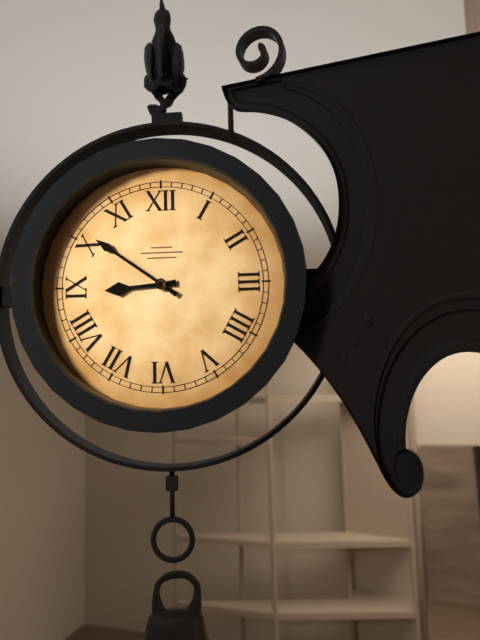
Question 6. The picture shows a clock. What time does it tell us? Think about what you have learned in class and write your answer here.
8:51
